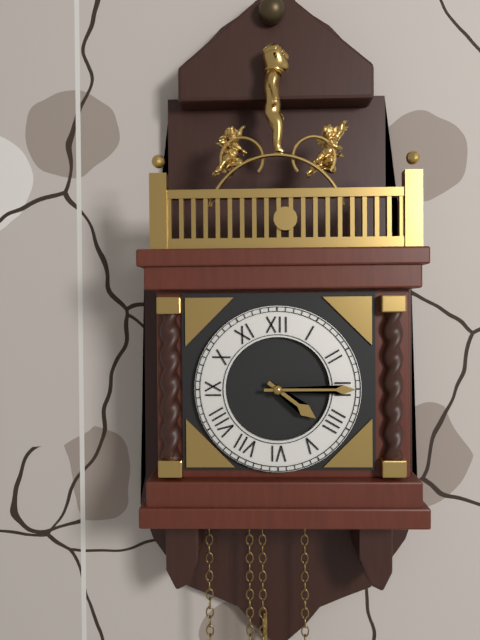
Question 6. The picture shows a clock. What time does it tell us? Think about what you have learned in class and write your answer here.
4:15
